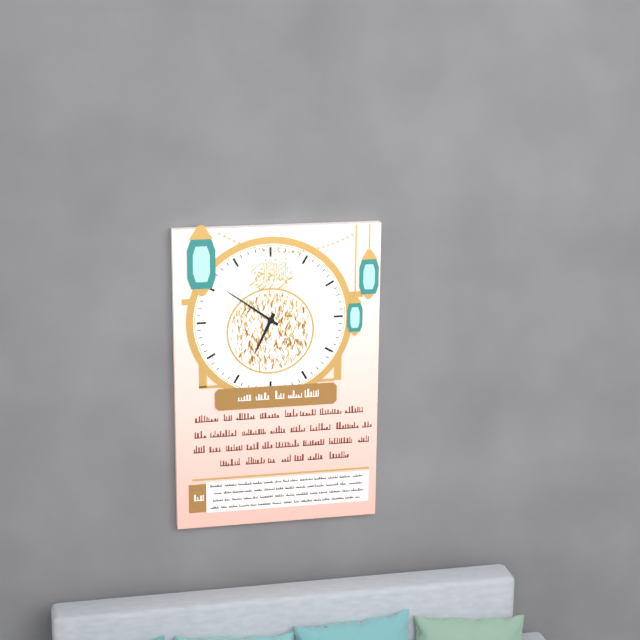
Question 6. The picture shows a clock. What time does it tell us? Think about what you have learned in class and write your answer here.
6:51
